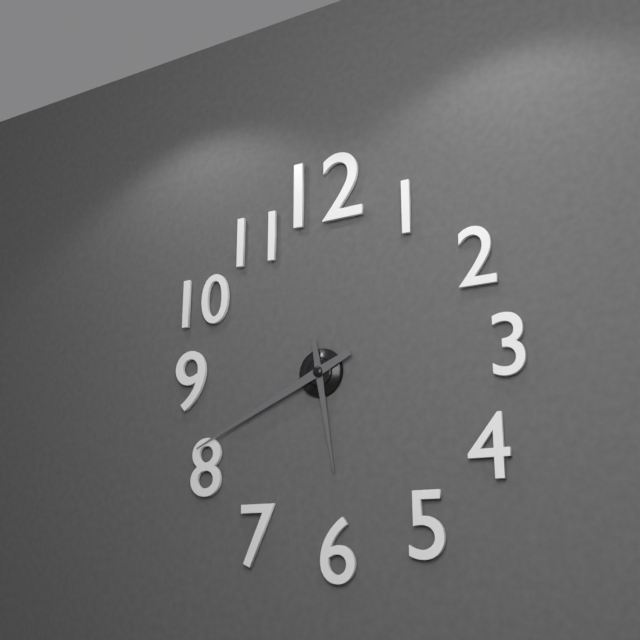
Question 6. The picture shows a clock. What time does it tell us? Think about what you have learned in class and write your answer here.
5:41
